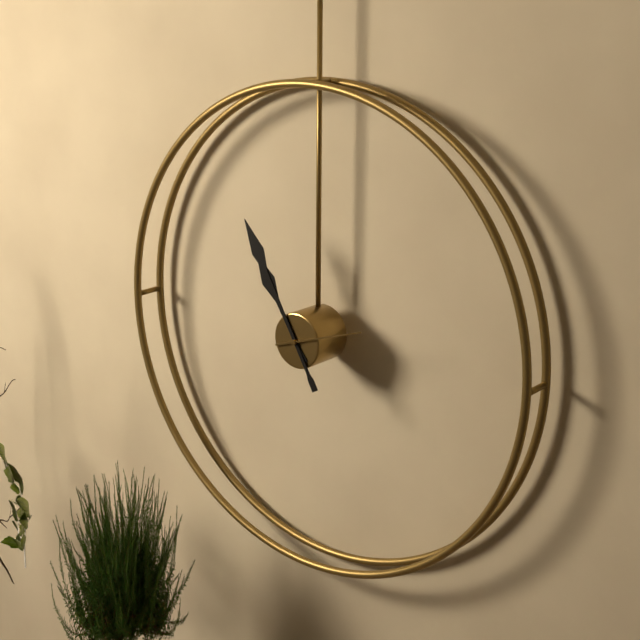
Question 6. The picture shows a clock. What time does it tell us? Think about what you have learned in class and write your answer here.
10:55:12
